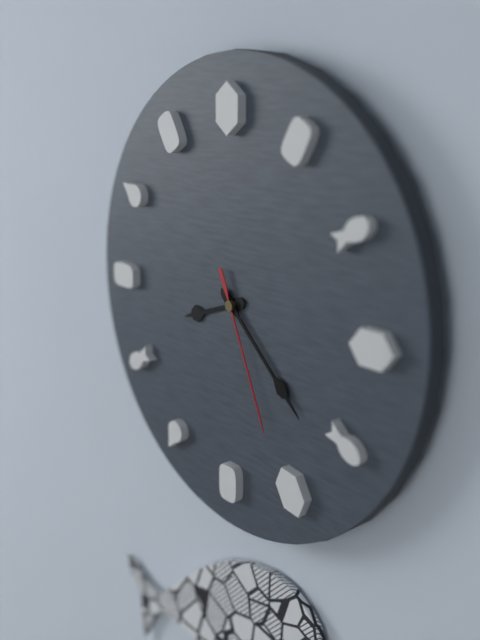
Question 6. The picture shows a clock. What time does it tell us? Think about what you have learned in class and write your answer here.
8:22:26
